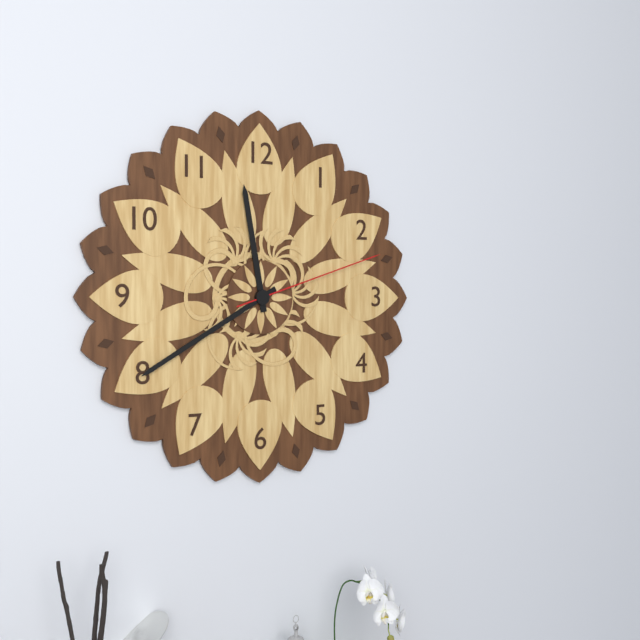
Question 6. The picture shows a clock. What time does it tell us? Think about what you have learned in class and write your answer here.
11:40:12
